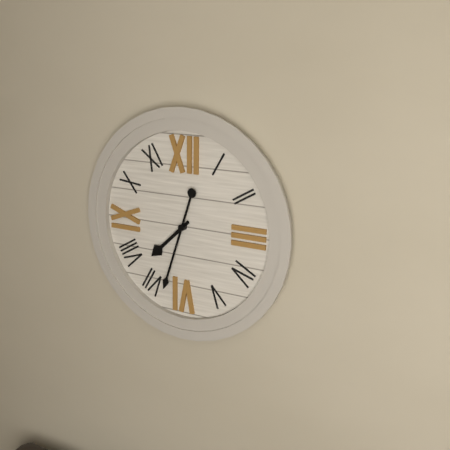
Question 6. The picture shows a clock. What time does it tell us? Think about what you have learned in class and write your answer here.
7:33
